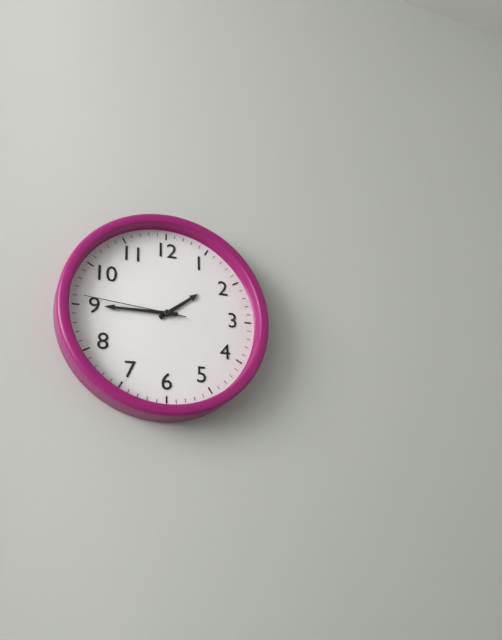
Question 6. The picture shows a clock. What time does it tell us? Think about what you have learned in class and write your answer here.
1:45:46
